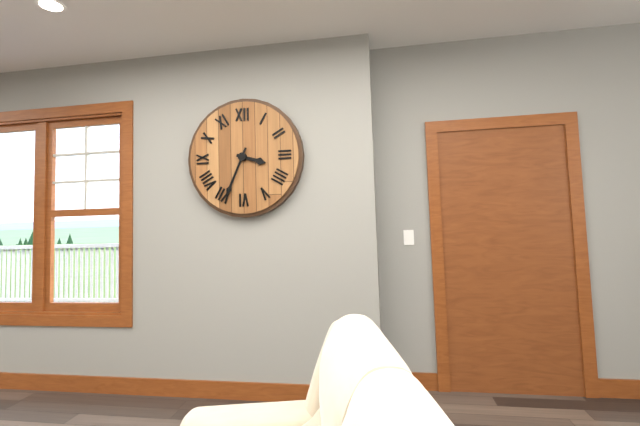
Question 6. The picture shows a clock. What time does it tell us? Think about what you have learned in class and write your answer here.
3:34
